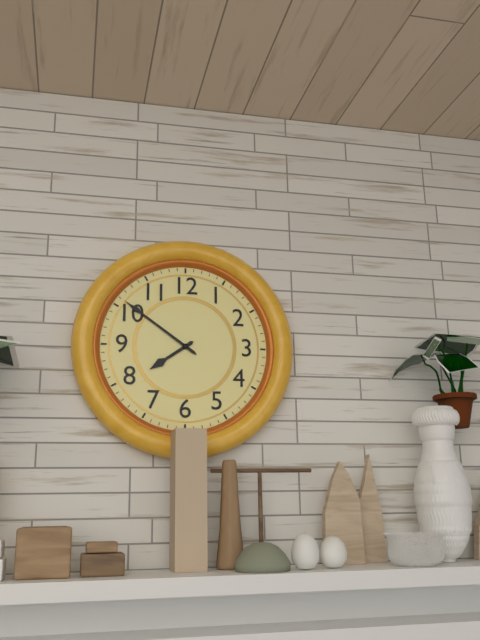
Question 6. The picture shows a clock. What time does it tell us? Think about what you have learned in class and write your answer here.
7:51
